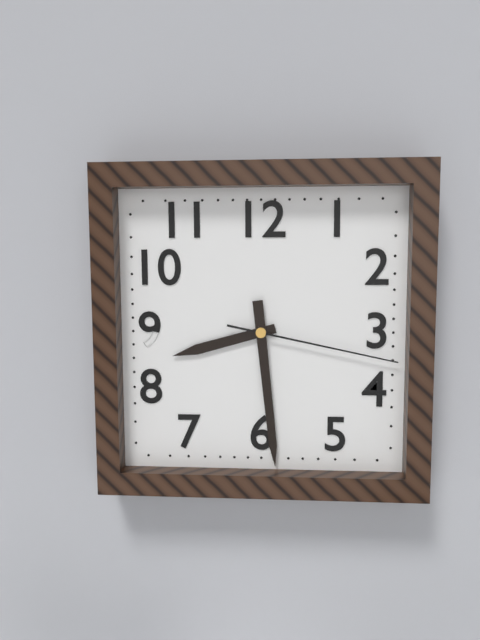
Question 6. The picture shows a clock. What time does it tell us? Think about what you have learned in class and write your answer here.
8:29:17
